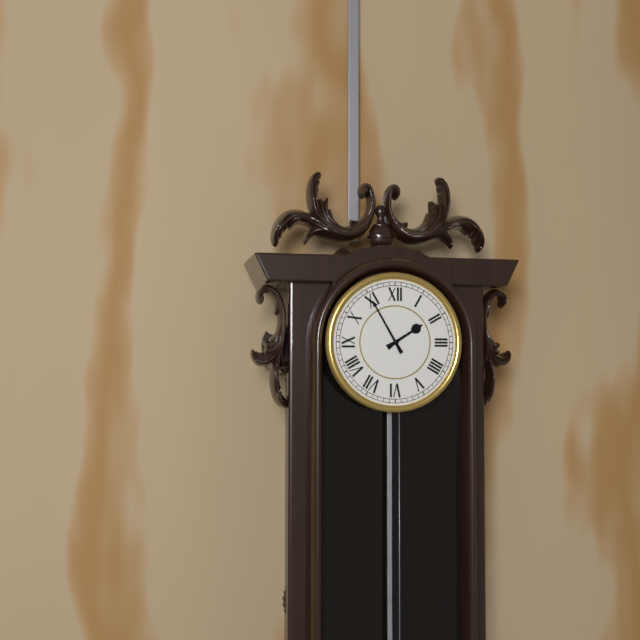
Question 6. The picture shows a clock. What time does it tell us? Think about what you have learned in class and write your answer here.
1:55
